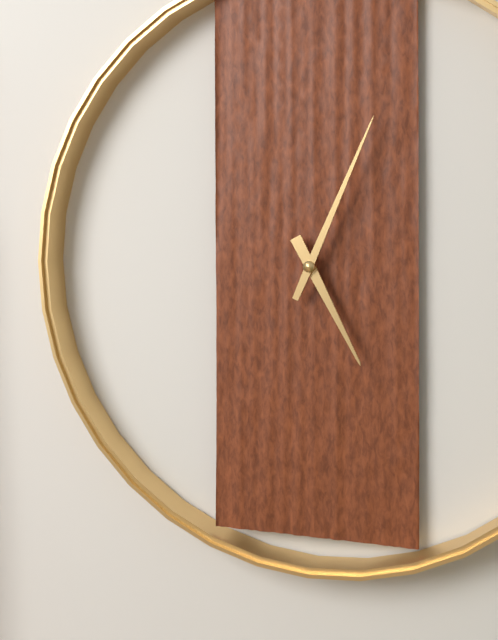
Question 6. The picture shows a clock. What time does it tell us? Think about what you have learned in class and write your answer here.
5:04
